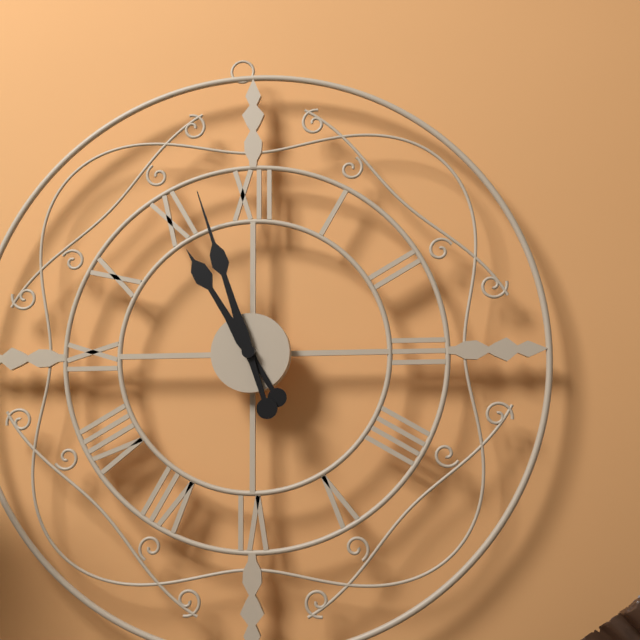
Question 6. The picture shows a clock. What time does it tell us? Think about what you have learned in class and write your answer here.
10:57
